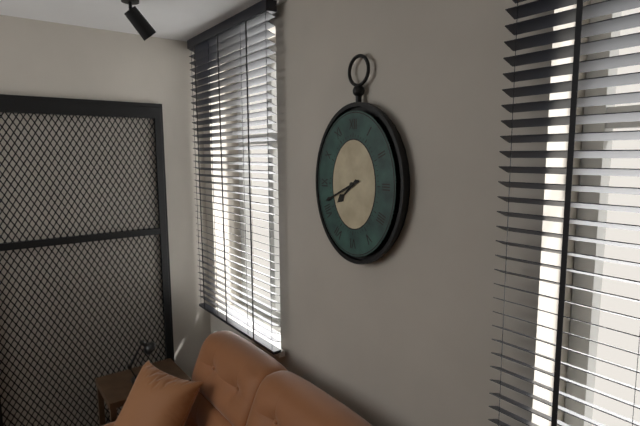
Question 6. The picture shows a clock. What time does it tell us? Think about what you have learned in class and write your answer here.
7:41
